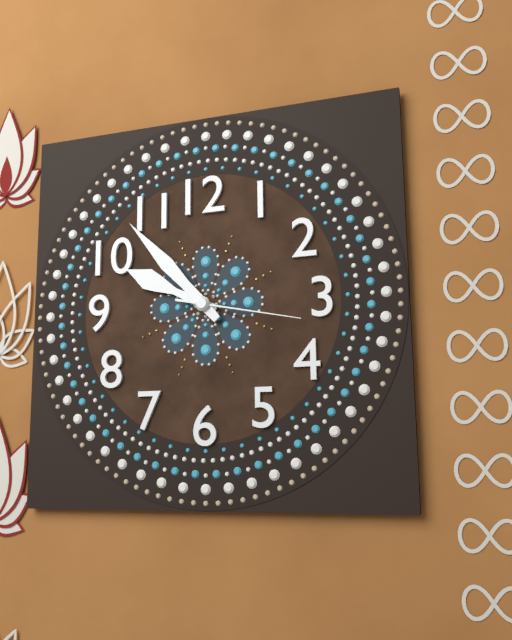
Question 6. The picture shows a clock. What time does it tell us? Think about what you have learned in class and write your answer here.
9:53:17
